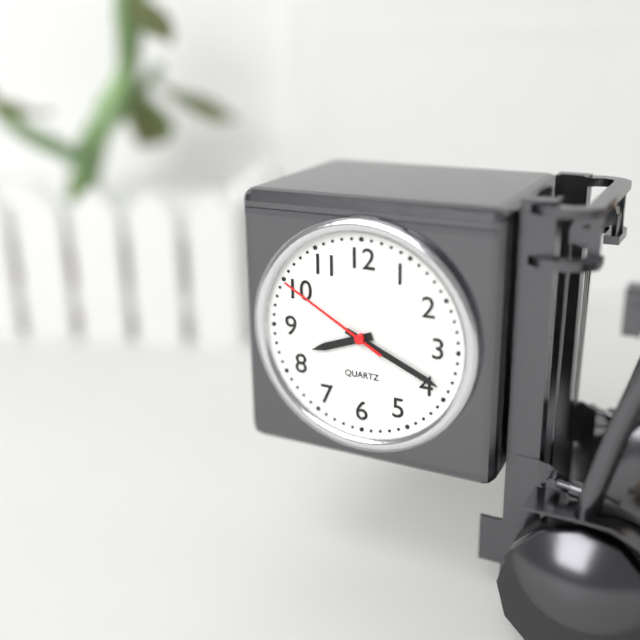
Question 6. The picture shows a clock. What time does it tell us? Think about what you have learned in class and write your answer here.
8:19:50
